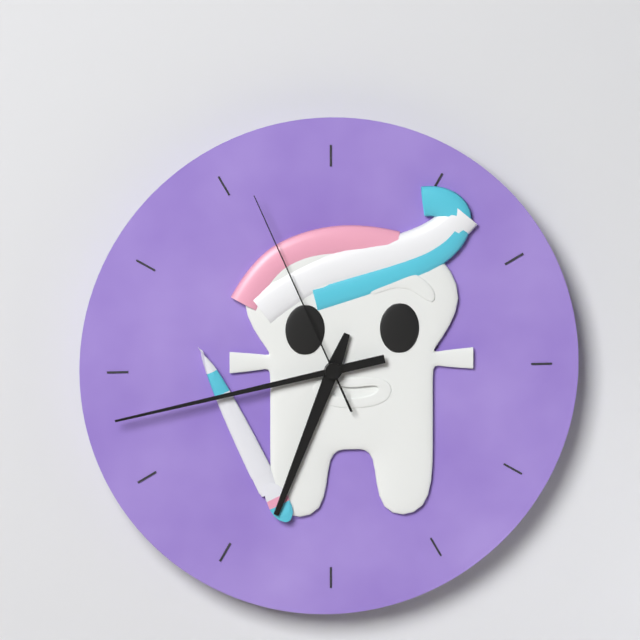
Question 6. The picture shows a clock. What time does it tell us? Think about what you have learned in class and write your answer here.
6:43:56
